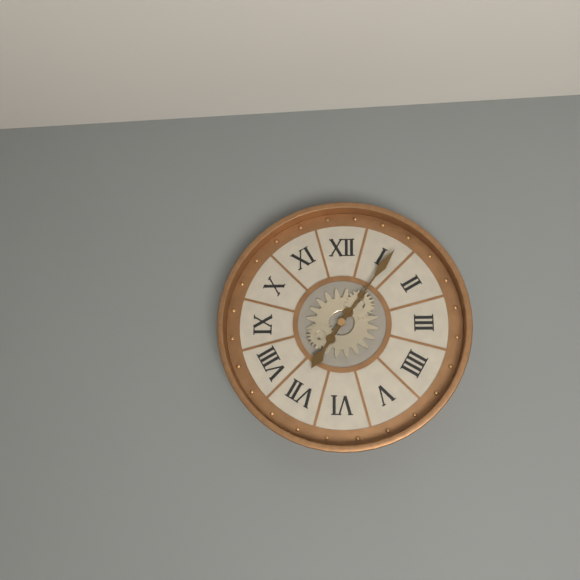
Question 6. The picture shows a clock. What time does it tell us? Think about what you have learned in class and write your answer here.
7:06
